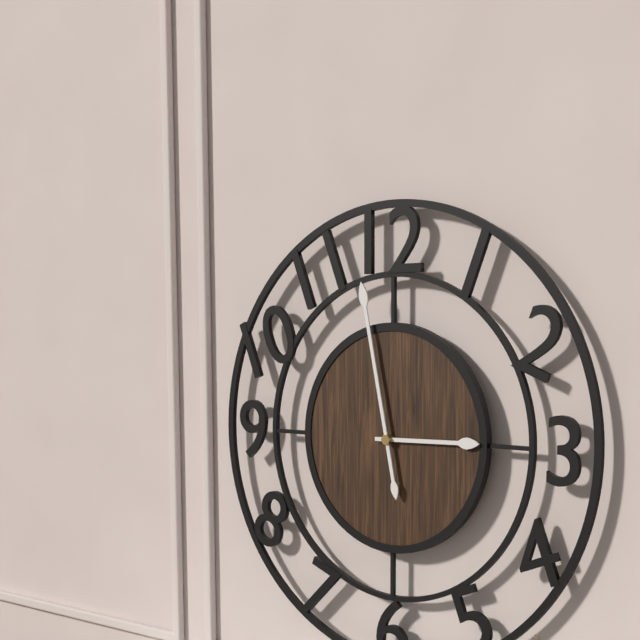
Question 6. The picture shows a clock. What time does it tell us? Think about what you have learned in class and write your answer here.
2:58
